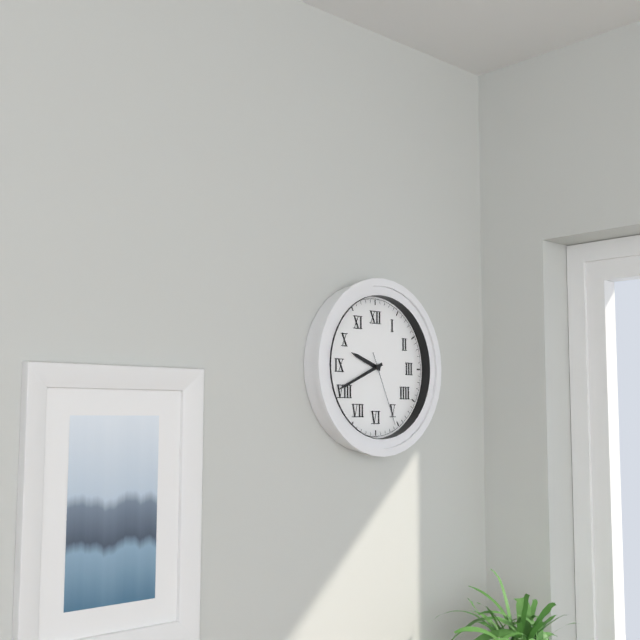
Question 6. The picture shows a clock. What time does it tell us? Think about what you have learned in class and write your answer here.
9:41:26
